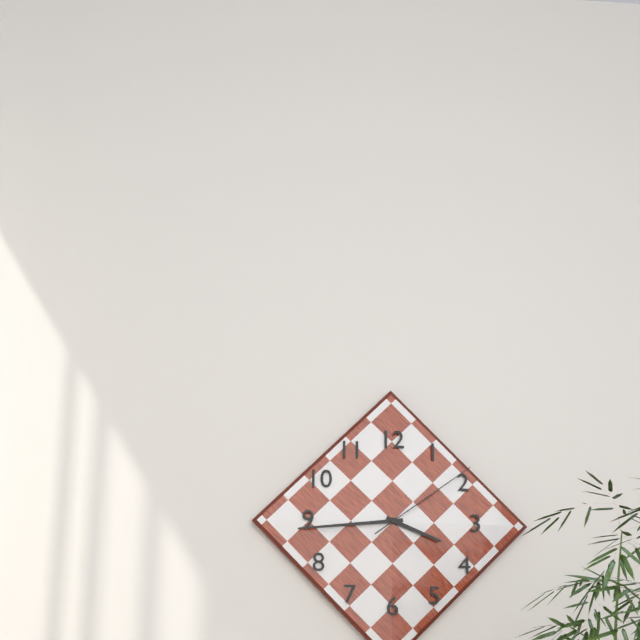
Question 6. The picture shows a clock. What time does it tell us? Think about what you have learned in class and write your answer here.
3:44:09
